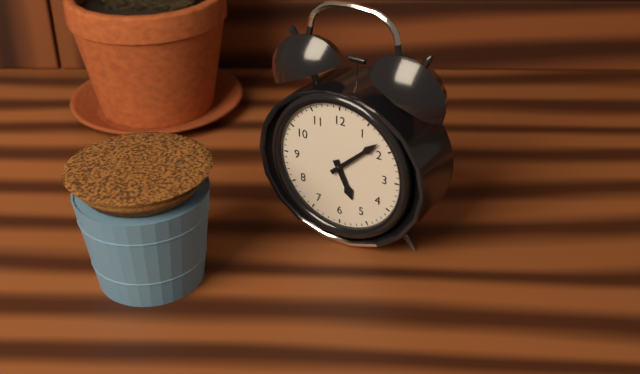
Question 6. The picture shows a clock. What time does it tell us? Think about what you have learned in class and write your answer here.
5:08
